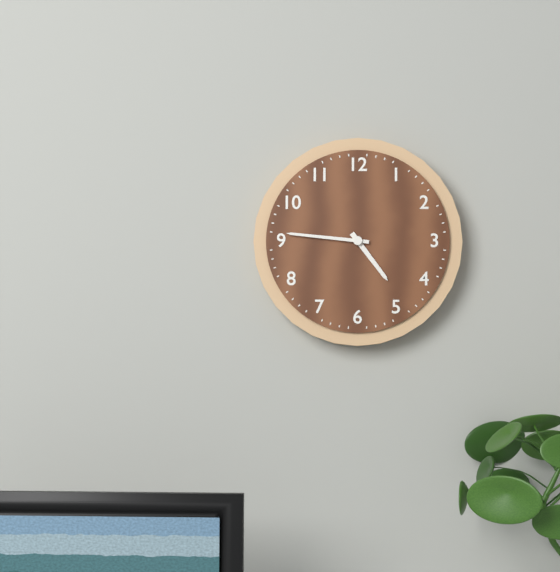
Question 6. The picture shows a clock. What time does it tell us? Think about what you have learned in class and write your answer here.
4:46
